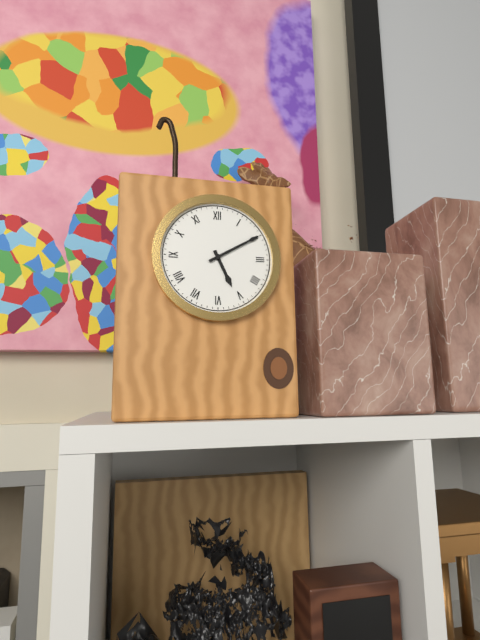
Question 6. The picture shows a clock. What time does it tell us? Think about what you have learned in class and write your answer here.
5:10
